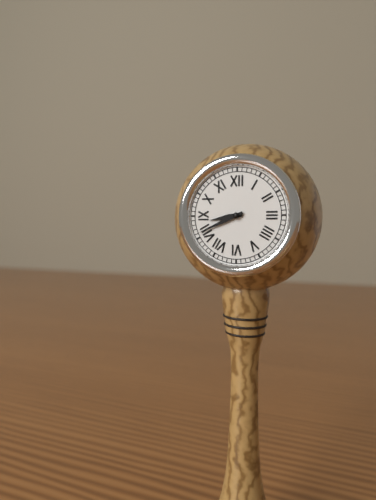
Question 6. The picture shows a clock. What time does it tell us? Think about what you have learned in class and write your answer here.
8:41
